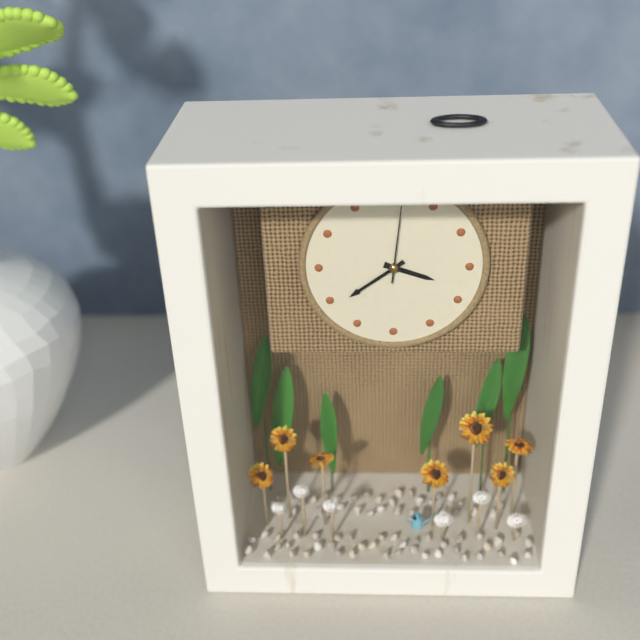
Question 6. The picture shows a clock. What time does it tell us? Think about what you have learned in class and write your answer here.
3:39:01
